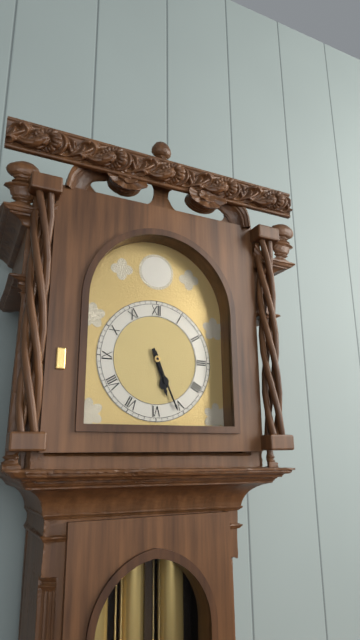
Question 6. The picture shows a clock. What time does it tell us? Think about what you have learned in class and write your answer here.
5:26
